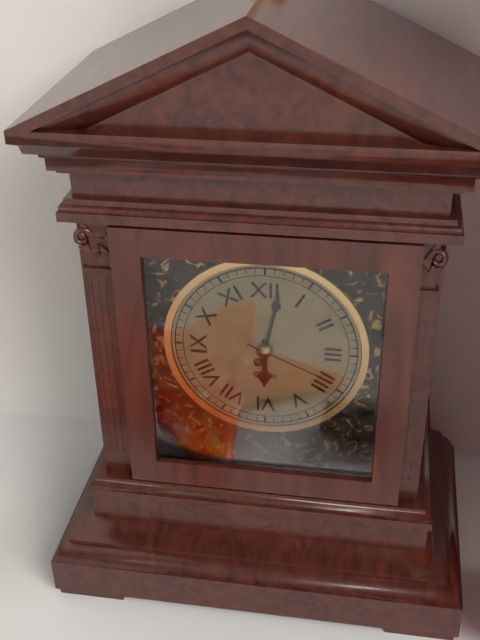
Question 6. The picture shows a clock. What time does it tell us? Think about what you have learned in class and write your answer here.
6:02:19
